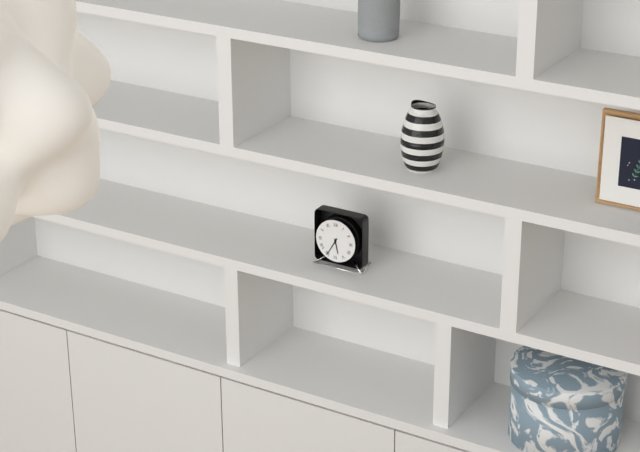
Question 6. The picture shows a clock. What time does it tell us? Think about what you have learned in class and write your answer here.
5:35
